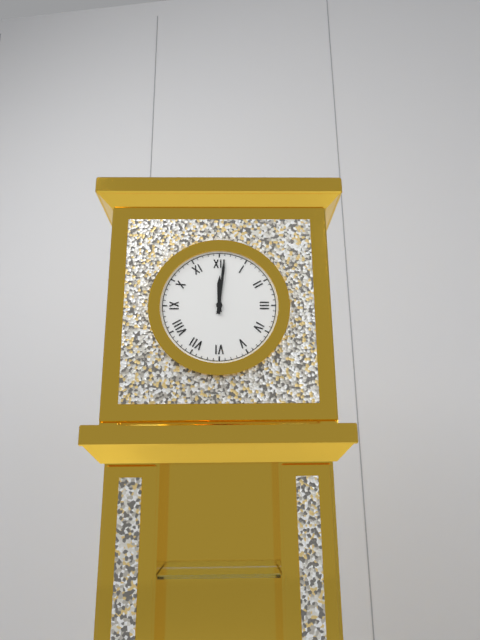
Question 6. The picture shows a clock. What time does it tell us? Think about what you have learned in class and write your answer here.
12:01
